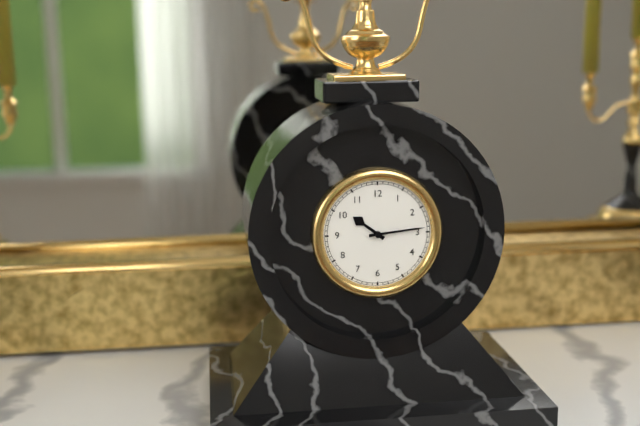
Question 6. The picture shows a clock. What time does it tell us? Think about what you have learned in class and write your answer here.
10:14
